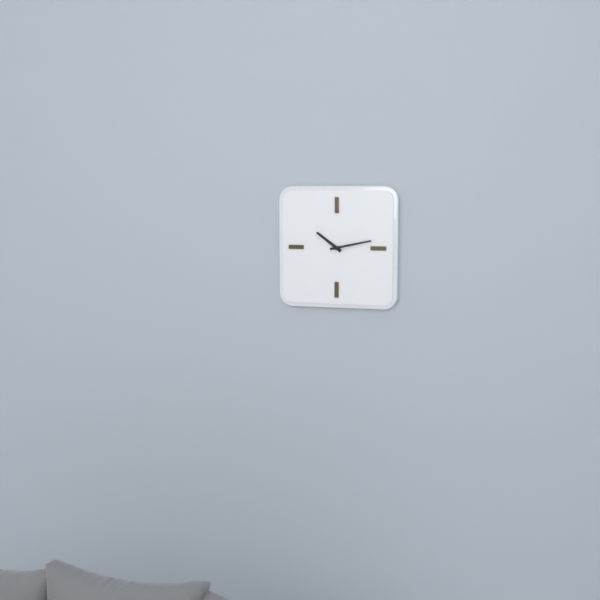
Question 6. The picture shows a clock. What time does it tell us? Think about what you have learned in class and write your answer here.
10:13
